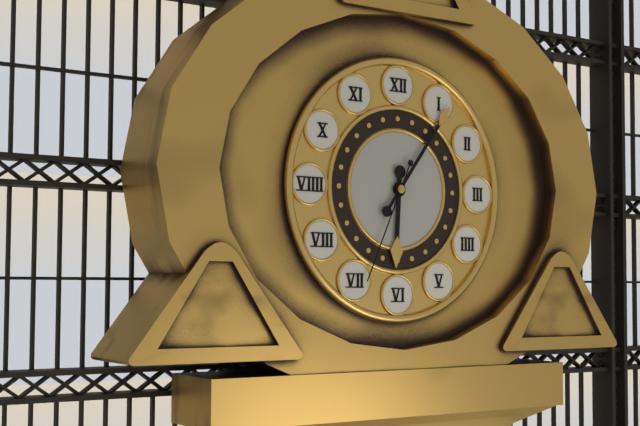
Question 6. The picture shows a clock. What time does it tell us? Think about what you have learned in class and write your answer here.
6:06:34
